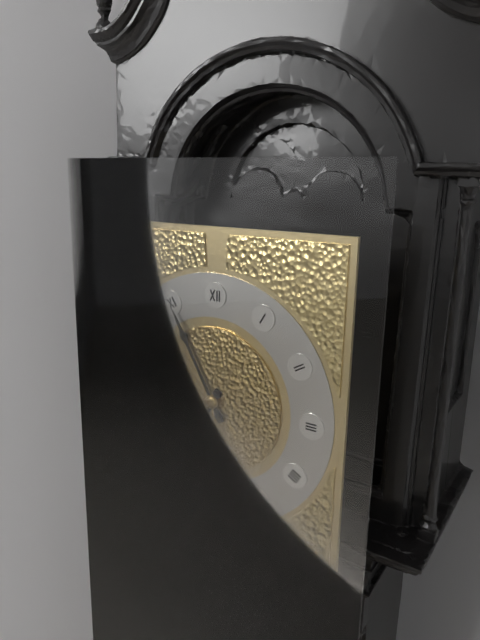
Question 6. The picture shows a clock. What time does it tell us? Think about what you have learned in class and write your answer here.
6:55
